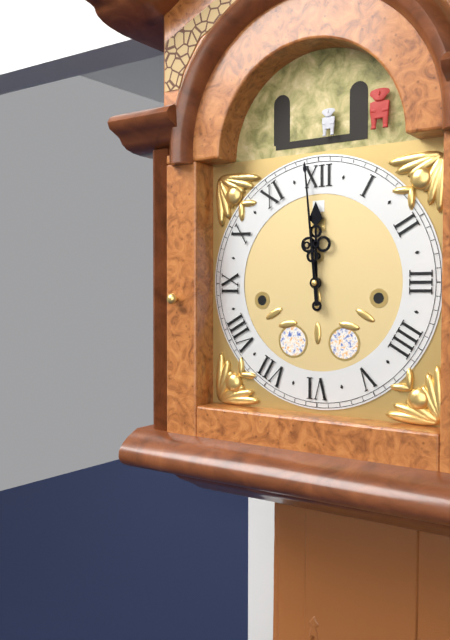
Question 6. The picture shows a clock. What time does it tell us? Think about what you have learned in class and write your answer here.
11:59
